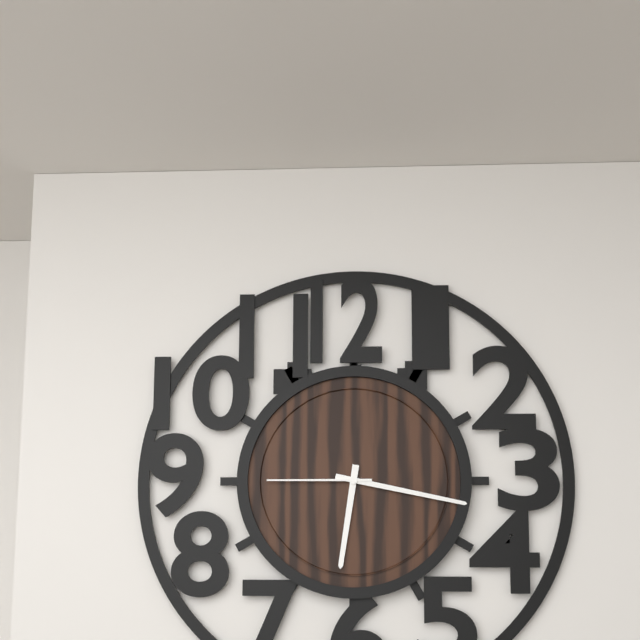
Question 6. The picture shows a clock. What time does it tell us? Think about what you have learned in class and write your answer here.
6:17:45
